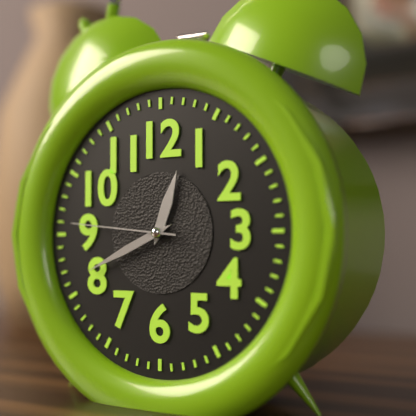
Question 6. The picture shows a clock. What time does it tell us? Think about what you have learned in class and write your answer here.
12:41:46
